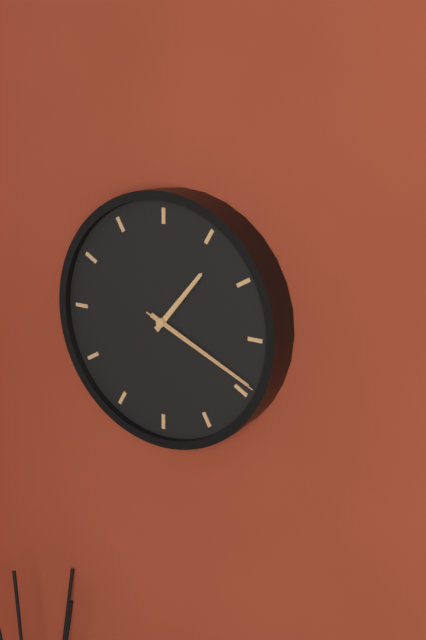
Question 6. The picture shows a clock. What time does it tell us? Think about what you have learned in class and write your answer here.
1:19:19
